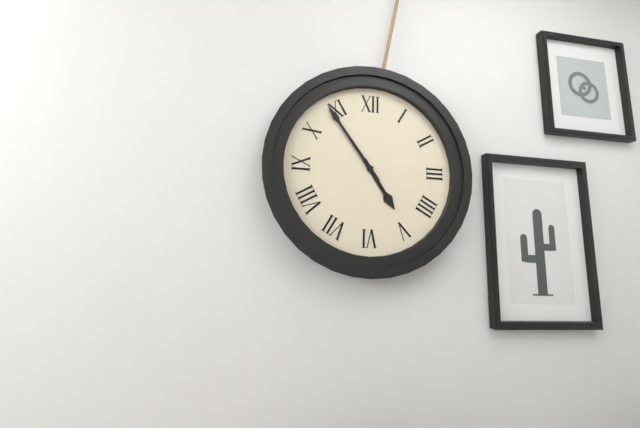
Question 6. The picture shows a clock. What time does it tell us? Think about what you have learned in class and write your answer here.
4:54
